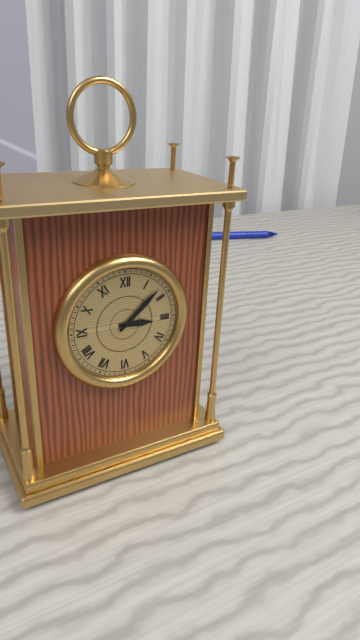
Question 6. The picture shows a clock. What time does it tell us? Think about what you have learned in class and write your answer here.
3:08
